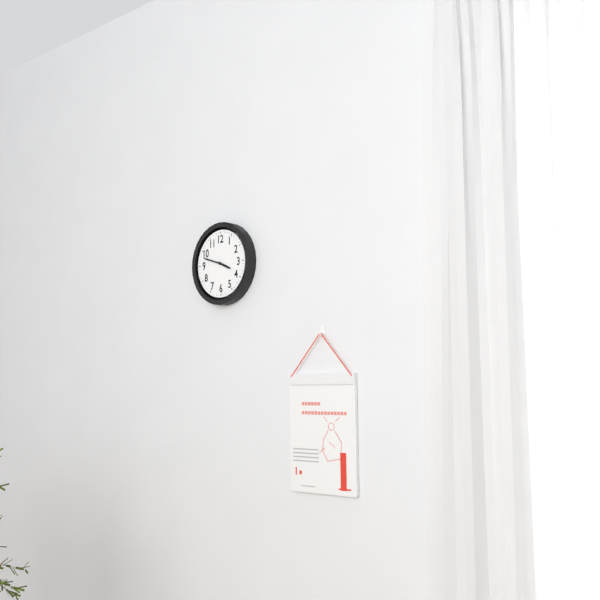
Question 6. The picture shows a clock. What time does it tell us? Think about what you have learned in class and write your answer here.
3:48
